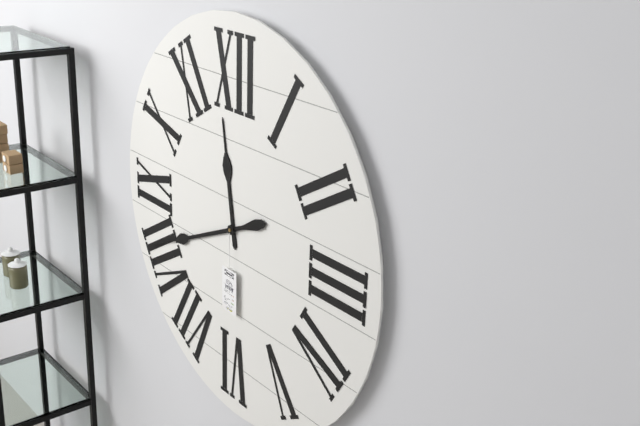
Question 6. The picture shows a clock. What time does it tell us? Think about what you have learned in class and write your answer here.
11:41
